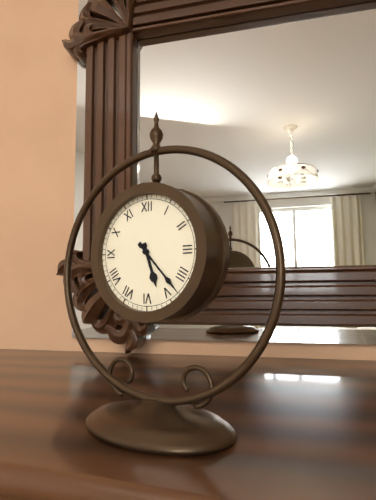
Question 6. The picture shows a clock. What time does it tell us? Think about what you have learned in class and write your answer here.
5:23
